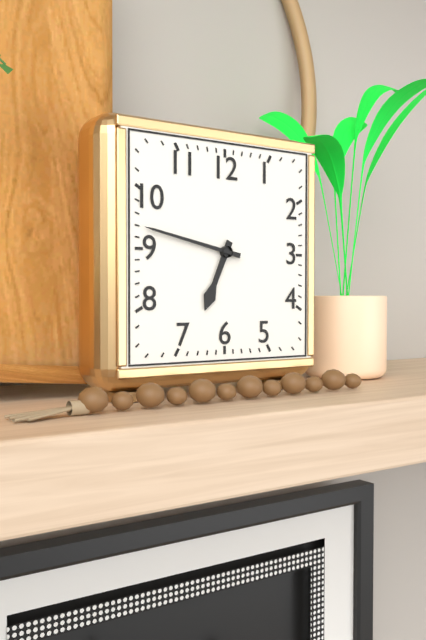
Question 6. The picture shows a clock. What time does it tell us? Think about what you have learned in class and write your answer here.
6:47
